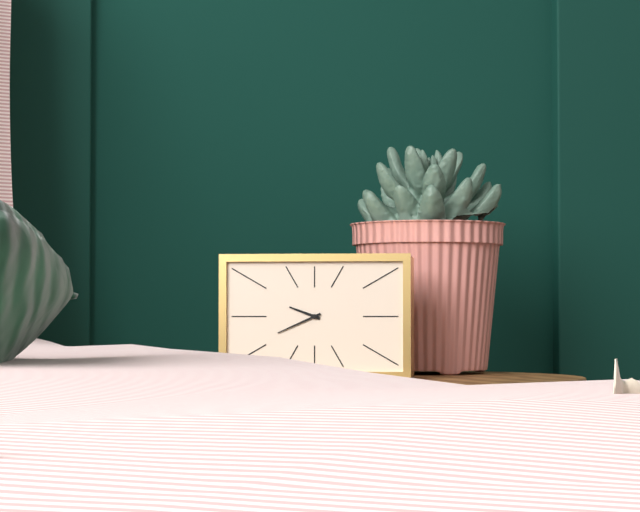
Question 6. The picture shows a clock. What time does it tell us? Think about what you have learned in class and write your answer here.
9:41
